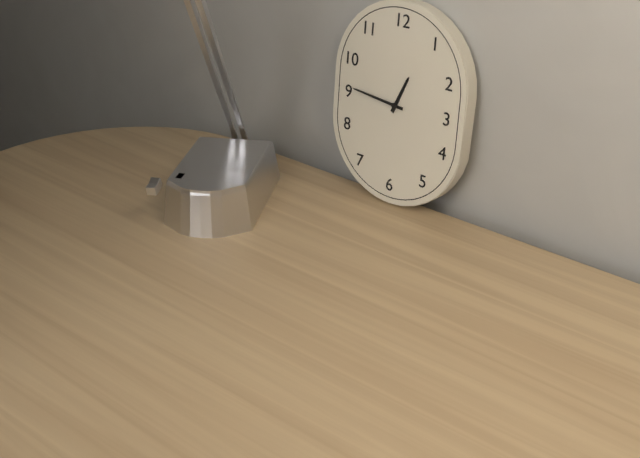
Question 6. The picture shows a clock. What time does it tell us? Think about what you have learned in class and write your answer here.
12:46
